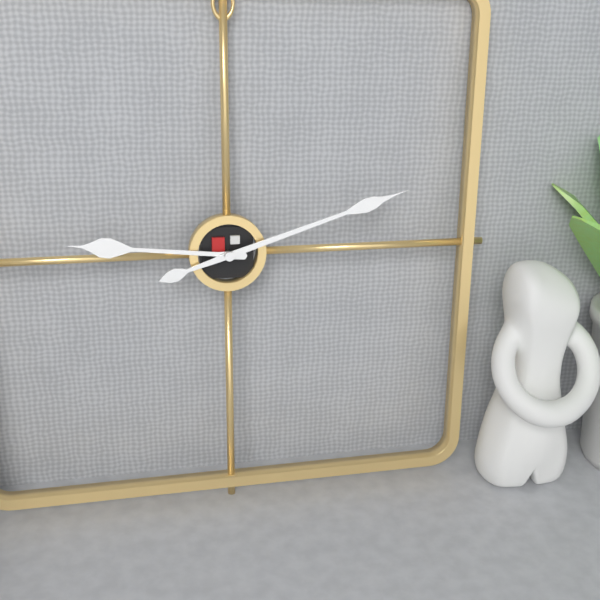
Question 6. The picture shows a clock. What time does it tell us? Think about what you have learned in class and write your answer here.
9:12
